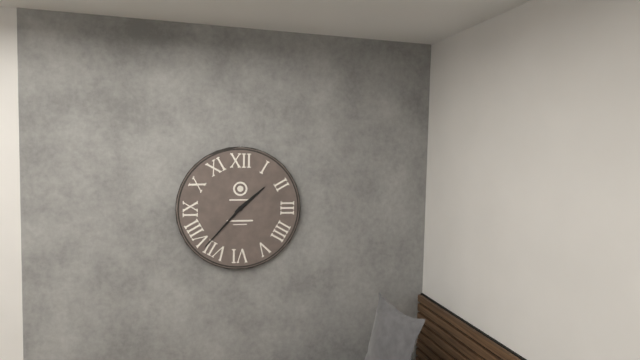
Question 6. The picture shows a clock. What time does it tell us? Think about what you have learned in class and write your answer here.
1:37
